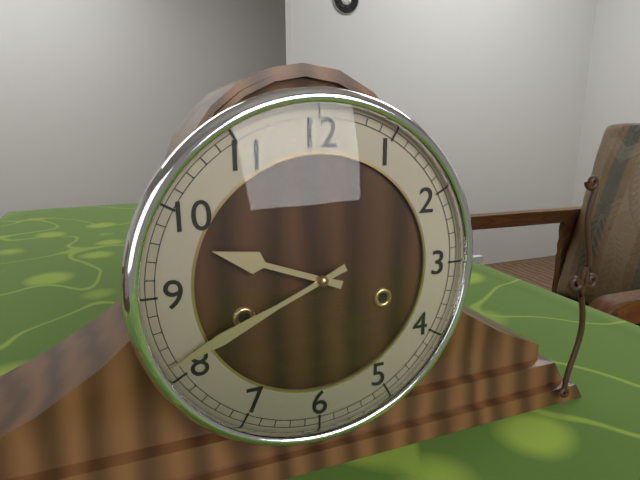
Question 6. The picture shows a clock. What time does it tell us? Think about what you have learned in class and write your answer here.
9:41
